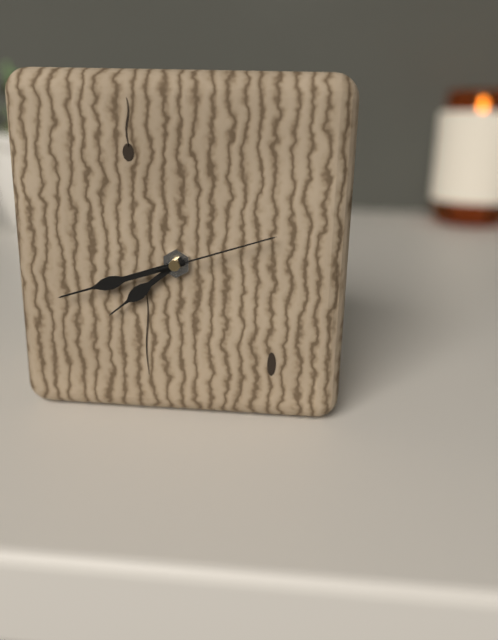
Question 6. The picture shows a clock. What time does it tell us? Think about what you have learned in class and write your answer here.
7:42:12
